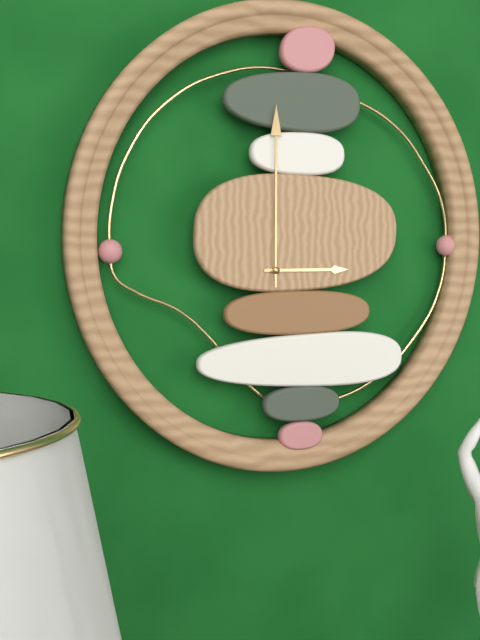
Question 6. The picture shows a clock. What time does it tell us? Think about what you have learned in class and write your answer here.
3:00
